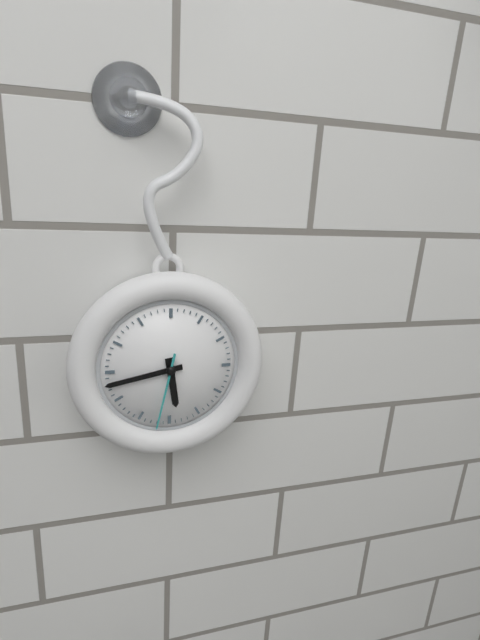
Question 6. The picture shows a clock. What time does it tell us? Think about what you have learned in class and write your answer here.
5:43:32
